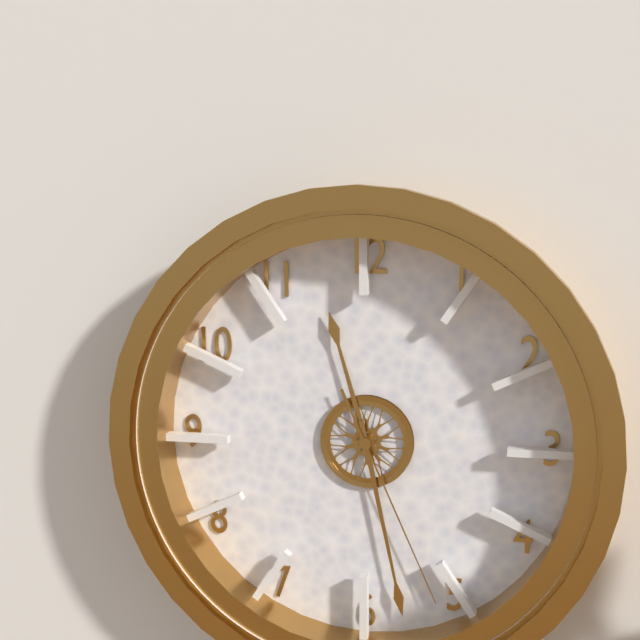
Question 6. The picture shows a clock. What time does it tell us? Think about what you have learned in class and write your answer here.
11:28:26
